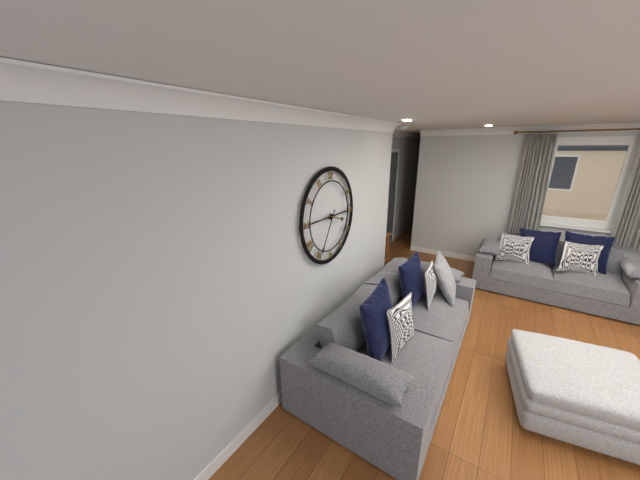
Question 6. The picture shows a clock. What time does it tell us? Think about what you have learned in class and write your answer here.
3:35
